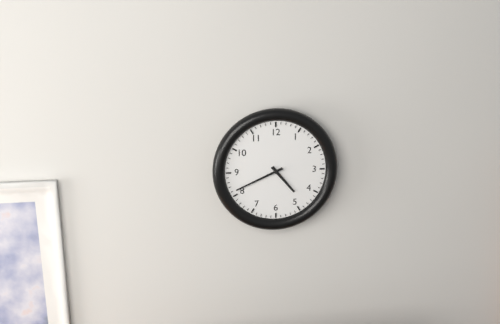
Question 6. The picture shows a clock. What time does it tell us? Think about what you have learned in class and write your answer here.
4:41
